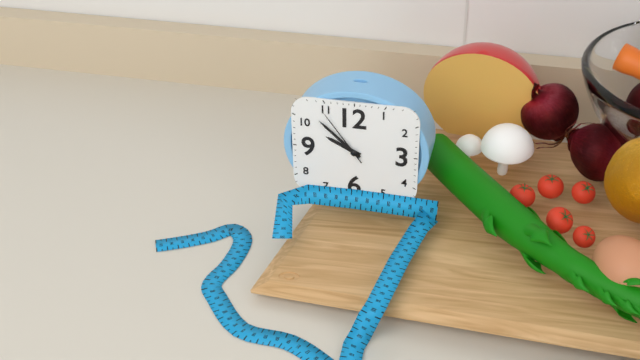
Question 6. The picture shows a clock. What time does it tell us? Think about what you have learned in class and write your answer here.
9:52:54
